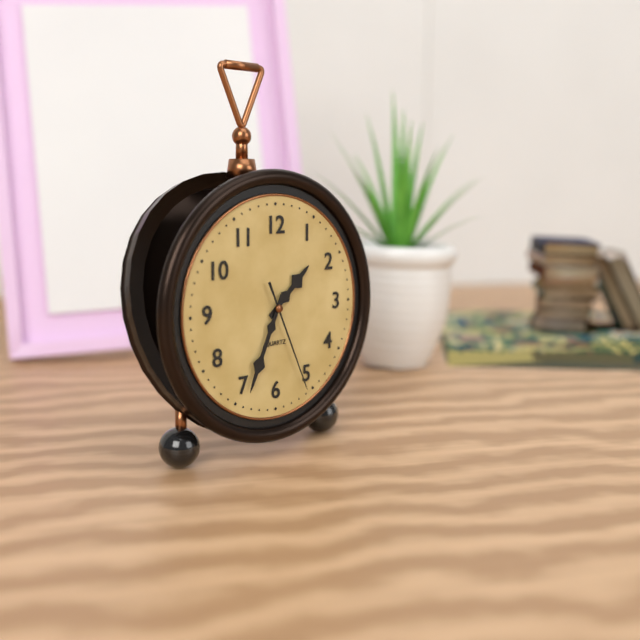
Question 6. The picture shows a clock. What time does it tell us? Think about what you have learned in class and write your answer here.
1:34:26
